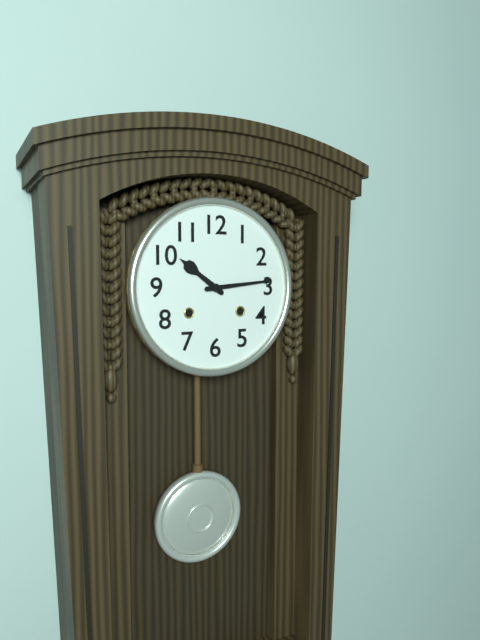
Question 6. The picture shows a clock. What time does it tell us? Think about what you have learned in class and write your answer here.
10:14
